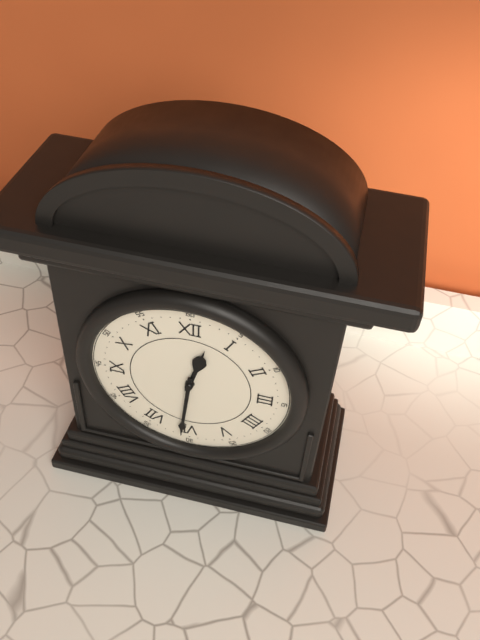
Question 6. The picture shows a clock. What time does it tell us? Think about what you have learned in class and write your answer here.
12:31
